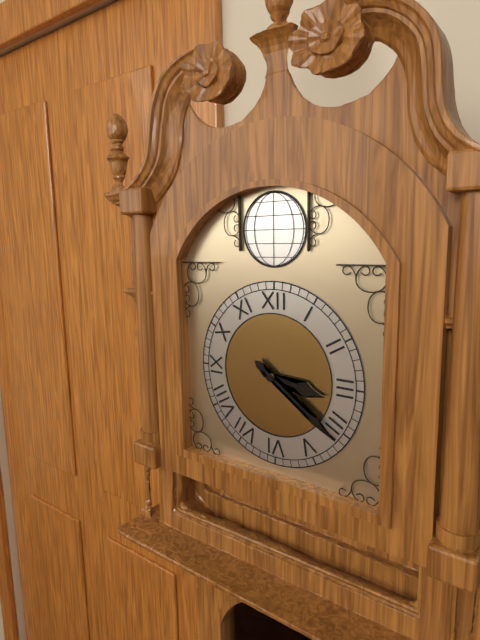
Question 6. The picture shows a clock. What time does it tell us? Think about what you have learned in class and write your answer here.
3:21
